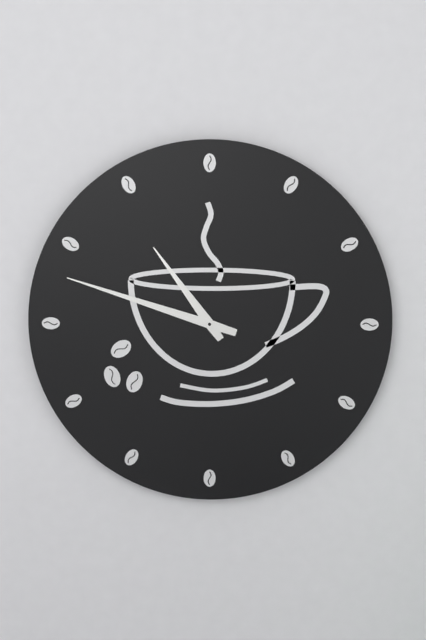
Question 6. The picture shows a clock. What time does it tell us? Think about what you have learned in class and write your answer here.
10:48
